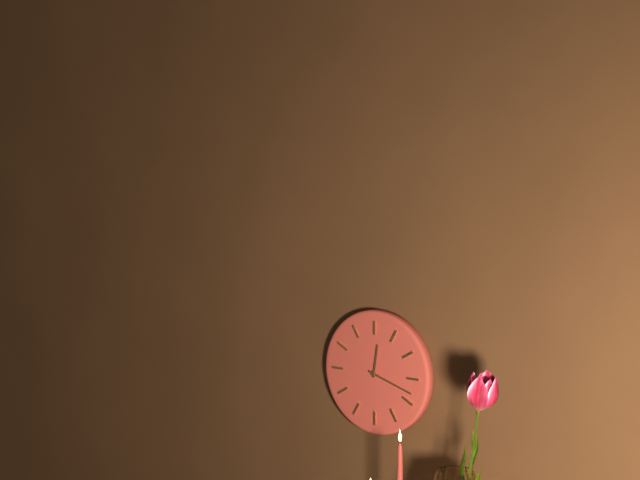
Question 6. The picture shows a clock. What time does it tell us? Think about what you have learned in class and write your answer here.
12:18
